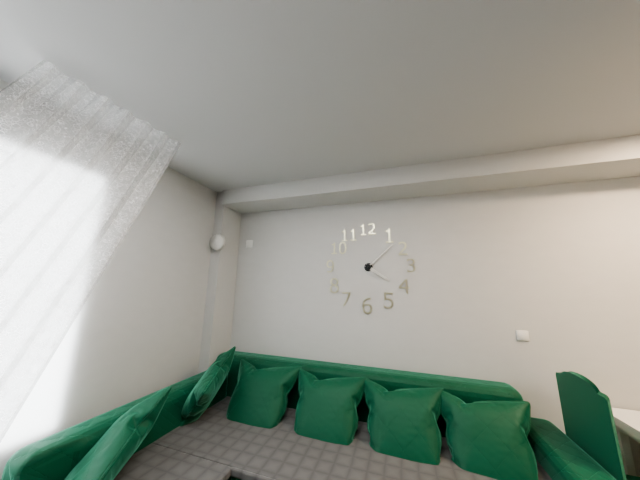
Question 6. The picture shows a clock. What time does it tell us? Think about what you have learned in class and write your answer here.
4:08
